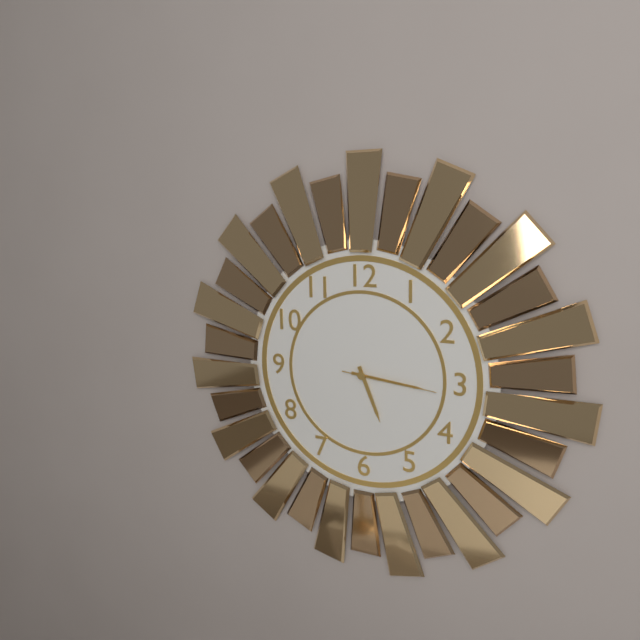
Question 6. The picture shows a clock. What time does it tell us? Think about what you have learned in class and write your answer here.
5:16:16
